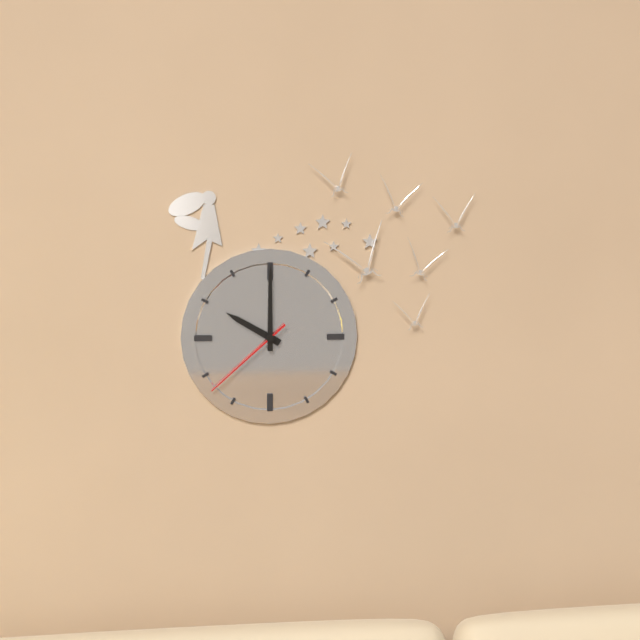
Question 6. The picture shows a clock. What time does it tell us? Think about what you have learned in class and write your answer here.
10:00:38
